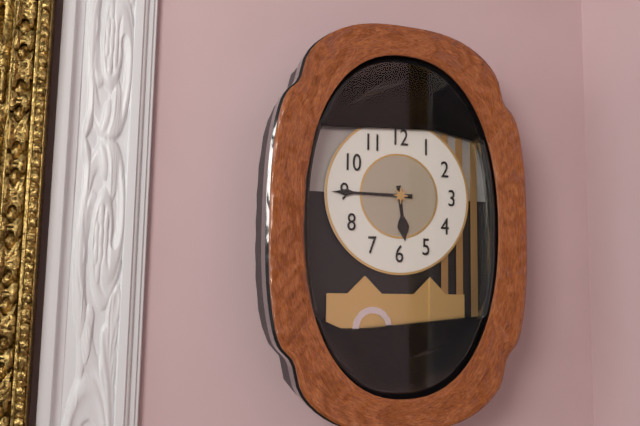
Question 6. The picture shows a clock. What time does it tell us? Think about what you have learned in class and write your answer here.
5:45
